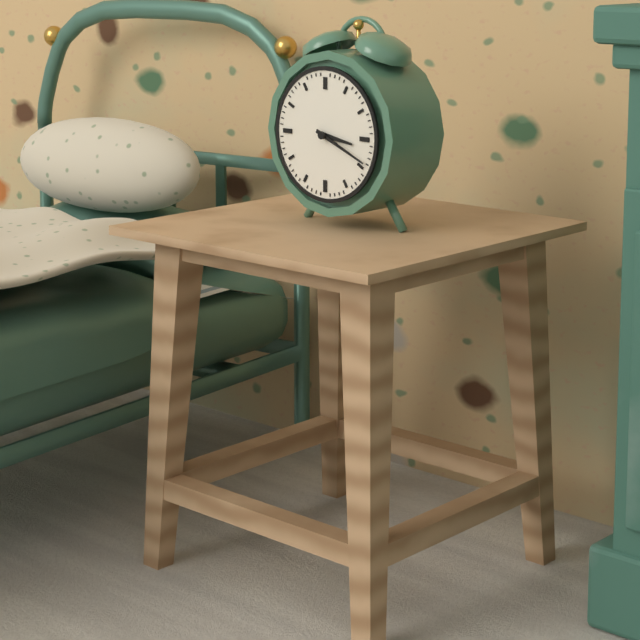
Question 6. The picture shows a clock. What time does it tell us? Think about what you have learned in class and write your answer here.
3:19
